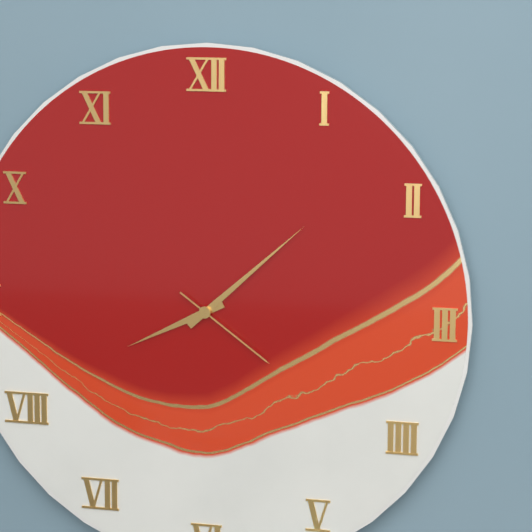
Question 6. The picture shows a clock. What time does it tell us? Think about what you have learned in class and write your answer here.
8:08:21
